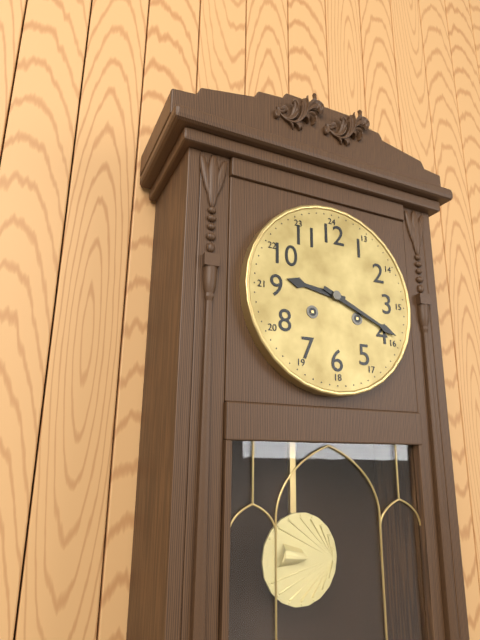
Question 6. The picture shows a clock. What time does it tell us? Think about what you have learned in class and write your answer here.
9:19
